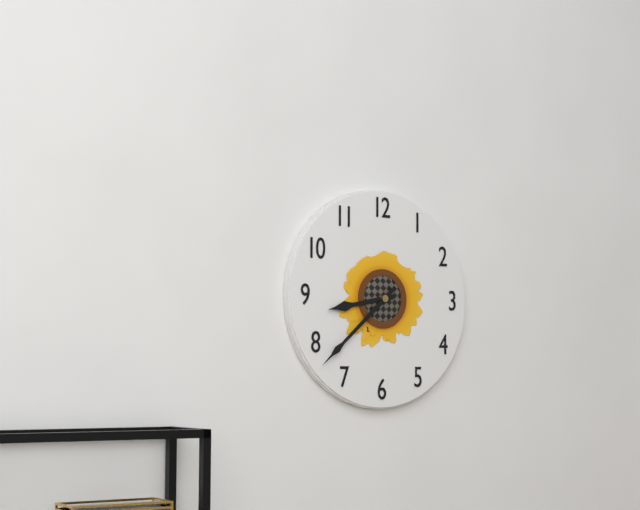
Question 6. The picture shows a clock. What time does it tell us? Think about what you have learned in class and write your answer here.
8:38
